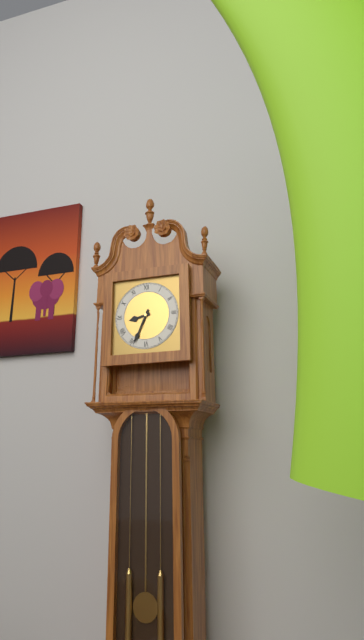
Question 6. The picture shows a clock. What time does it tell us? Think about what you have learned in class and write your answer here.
8:34
